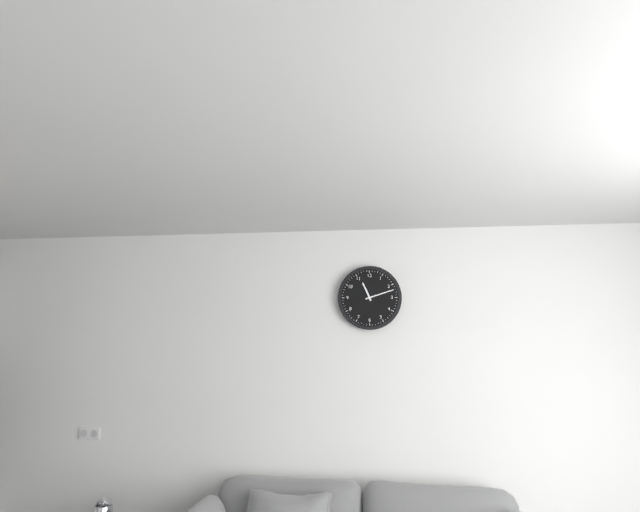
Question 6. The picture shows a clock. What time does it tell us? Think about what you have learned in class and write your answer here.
11:12
